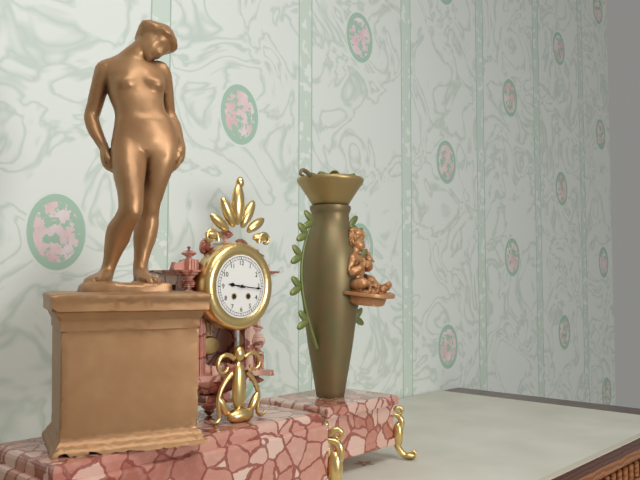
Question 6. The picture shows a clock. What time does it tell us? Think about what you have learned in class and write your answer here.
9:16
